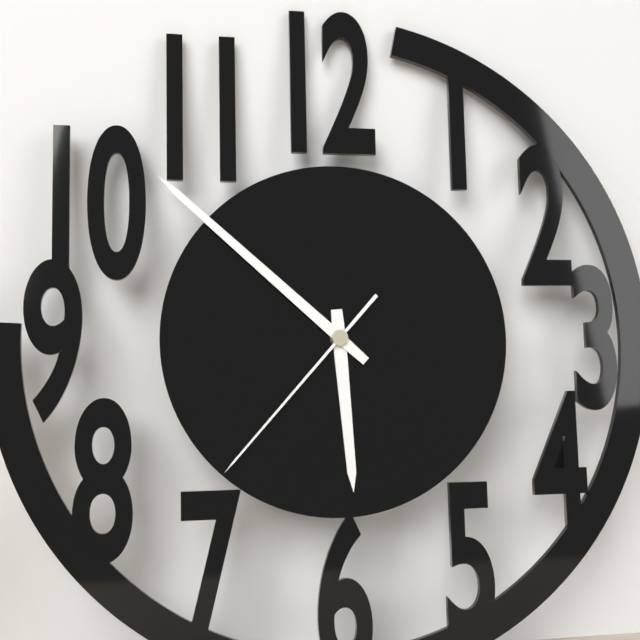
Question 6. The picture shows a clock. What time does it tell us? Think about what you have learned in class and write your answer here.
5:52:37
